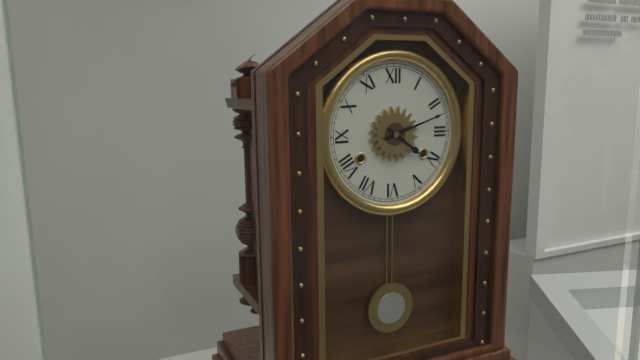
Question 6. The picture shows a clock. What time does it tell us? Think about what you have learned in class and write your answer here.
4:12
